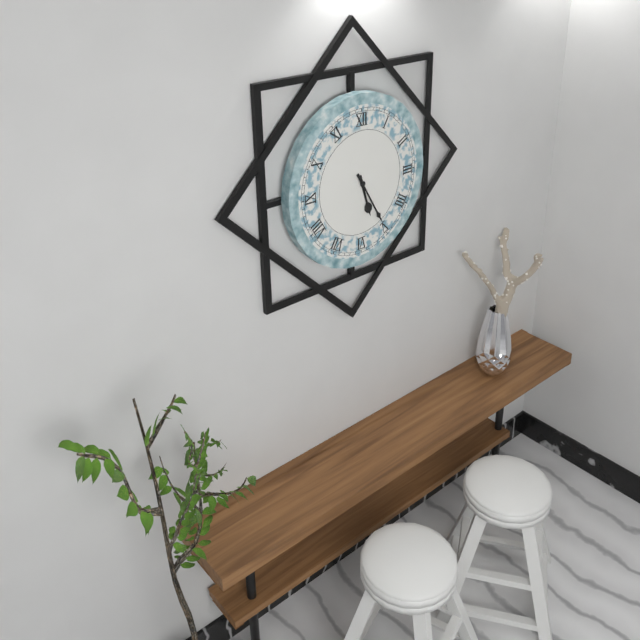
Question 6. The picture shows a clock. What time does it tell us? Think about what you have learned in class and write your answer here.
5:25
